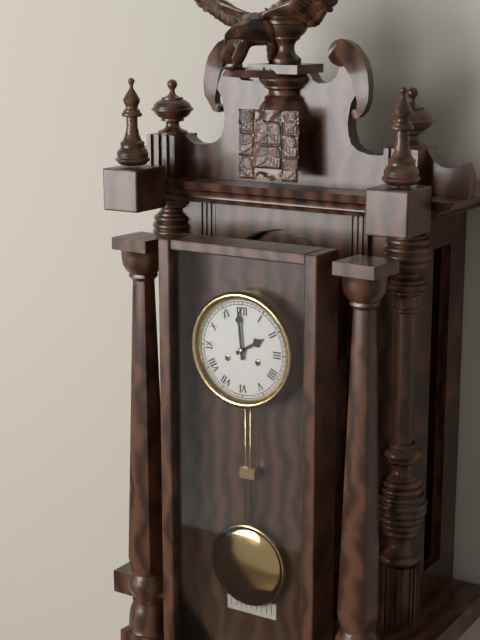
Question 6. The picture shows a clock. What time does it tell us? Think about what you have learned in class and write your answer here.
1:59
